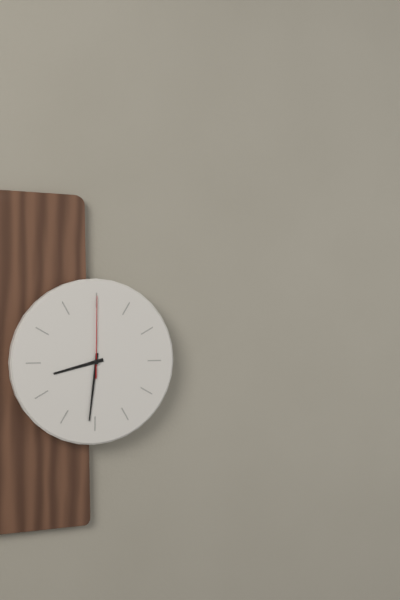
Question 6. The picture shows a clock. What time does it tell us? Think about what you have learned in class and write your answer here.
8:31:00
